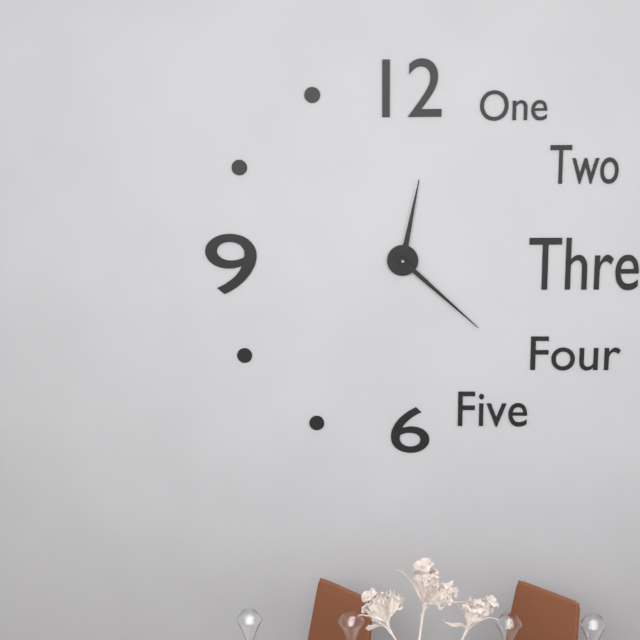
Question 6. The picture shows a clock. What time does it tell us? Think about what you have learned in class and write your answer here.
12:22
